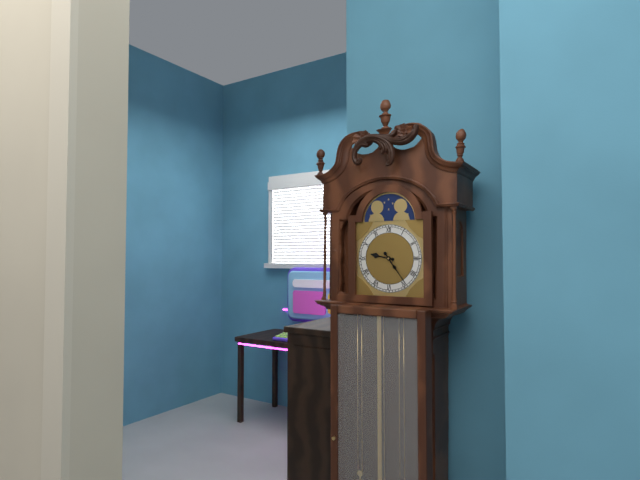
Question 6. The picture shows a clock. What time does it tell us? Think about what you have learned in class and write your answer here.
9:24
